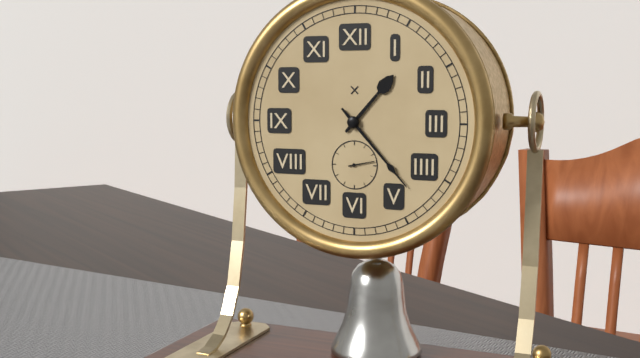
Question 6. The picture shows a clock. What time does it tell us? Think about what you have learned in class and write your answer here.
1:23
